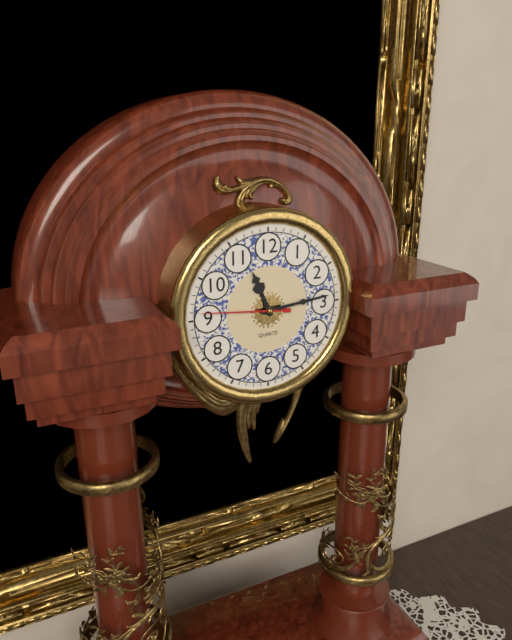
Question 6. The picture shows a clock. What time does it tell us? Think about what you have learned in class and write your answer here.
11:14:46
